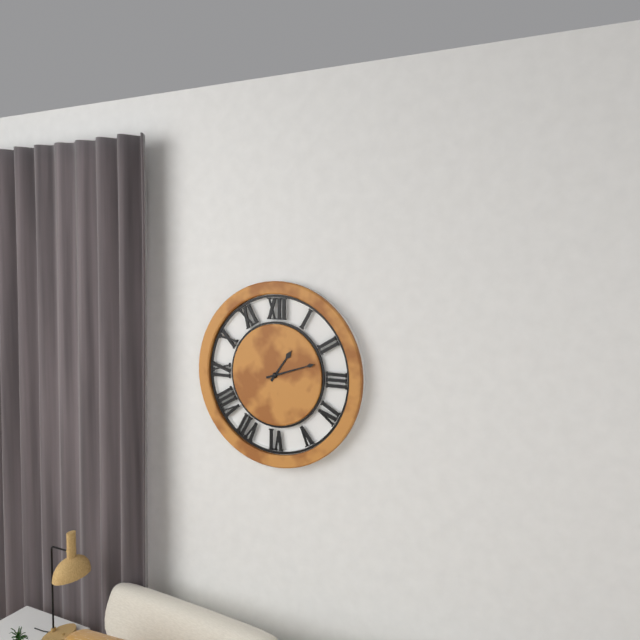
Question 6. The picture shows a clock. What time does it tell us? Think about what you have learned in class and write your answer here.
1:12
